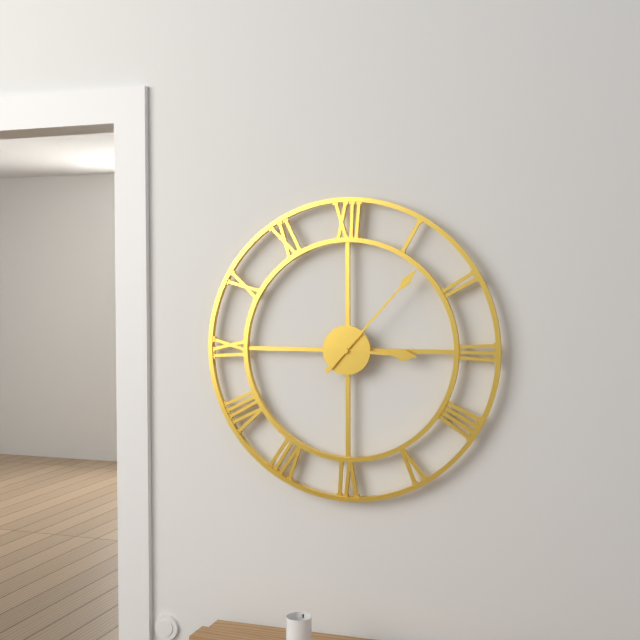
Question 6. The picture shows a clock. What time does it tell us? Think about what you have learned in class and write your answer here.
3:07
